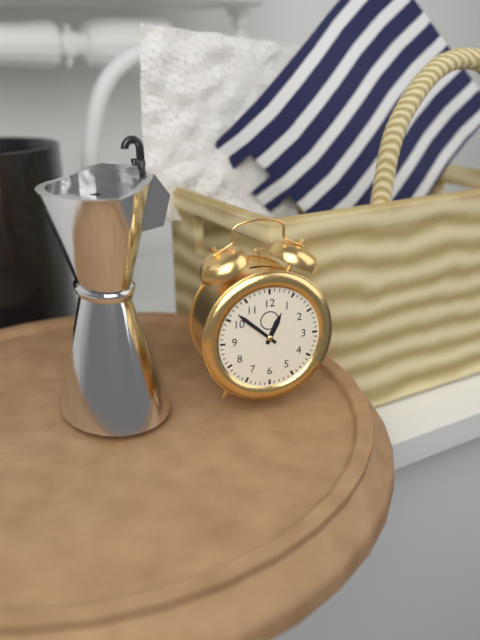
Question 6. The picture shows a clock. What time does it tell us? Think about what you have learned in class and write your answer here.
12:52
